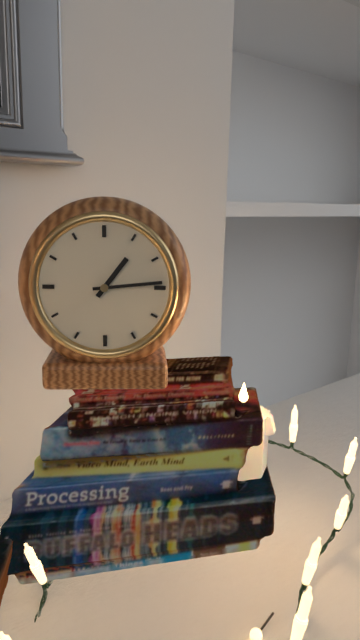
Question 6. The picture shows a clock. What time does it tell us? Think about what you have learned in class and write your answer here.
1:14
